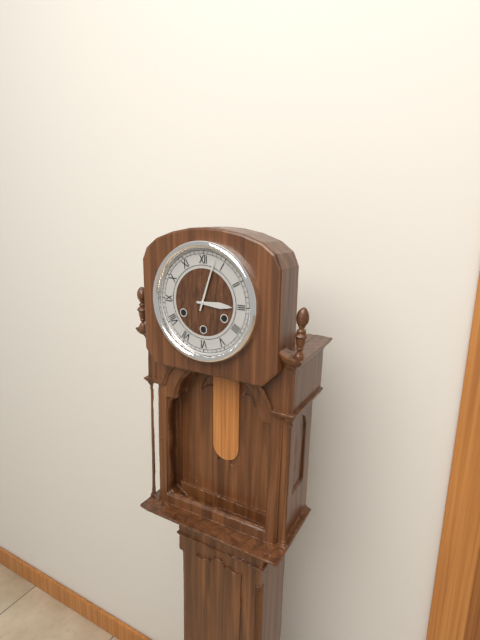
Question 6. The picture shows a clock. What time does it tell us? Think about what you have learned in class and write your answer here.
3:03
